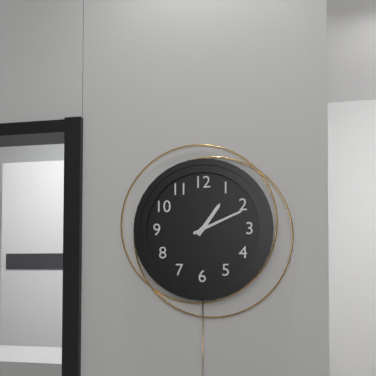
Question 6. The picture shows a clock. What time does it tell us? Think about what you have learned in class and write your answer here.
1:11
